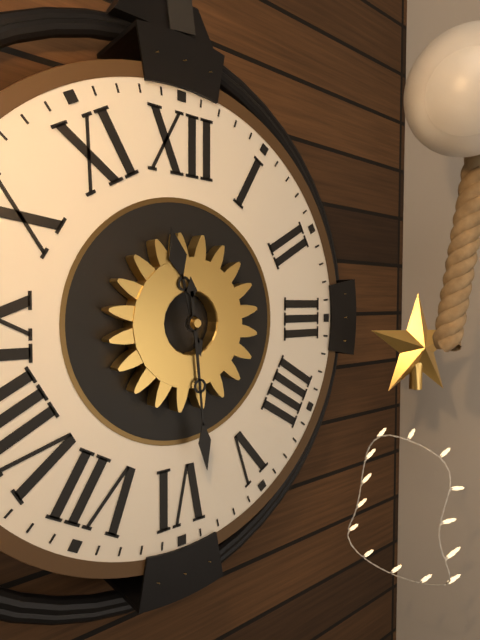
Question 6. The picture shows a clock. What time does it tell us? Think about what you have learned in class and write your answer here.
11:29
